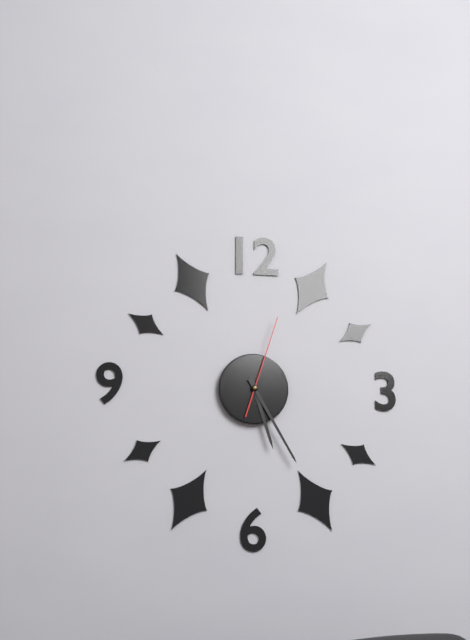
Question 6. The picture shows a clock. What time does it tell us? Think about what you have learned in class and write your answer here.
5:25:03
